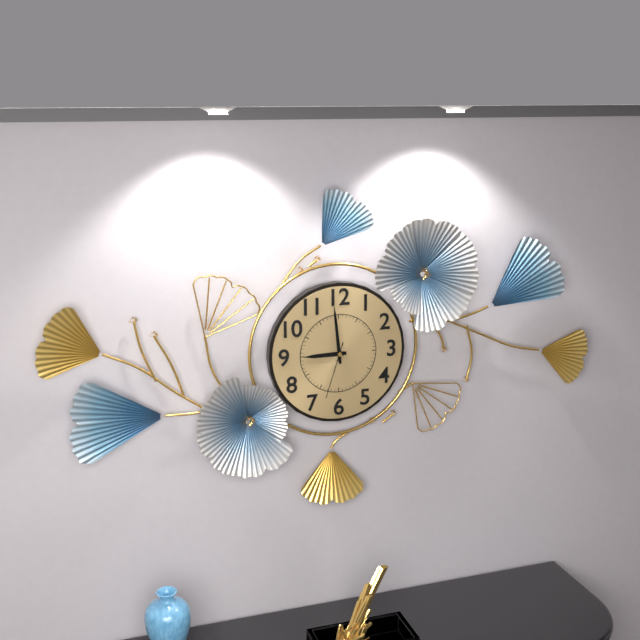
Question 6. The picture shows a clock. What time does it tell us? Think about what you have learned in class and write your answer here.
8:59:33
